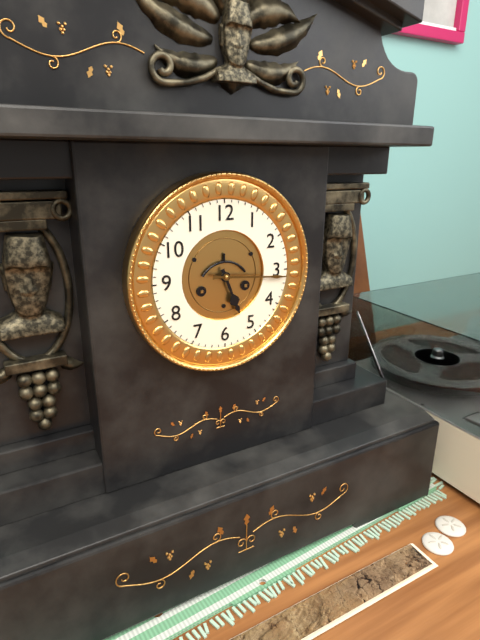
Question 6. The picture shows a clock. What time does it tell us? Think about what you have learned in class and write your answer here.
5:16
